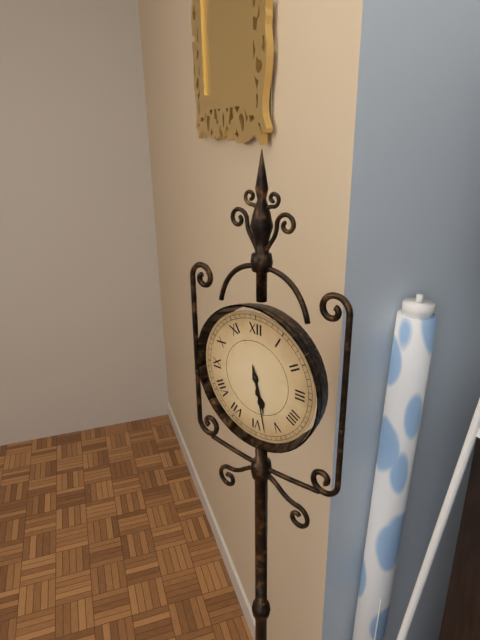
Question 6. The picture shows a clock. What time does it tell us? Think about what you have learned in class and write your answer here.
5:28
